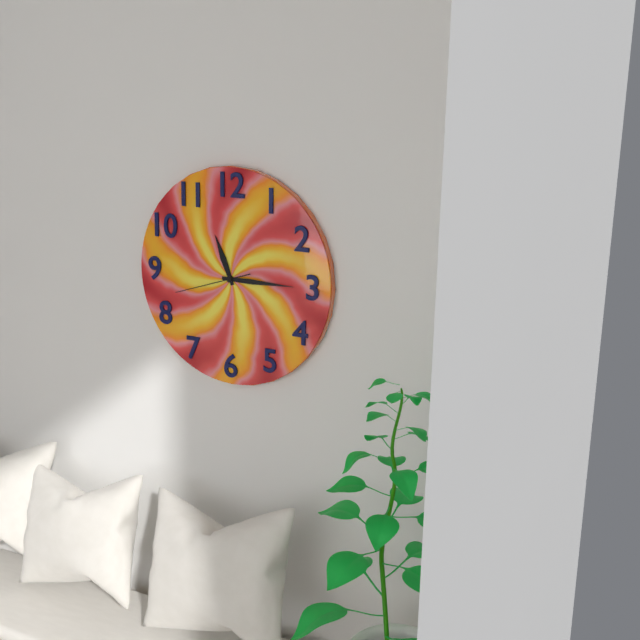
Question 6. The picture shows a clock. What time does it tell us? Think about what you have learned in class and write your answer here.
11:15:42
